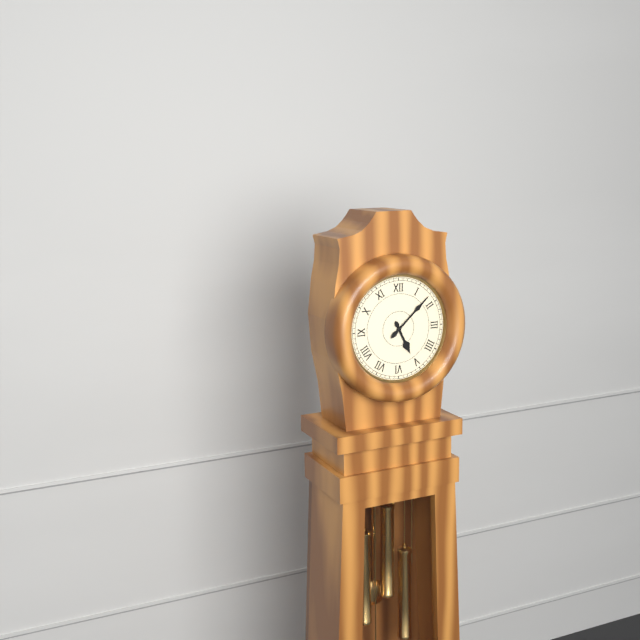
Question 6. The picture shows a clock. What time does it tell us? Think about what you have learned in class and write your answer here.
5:08
